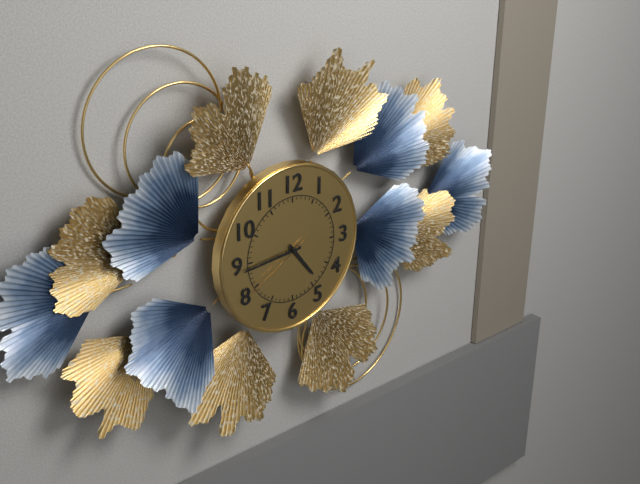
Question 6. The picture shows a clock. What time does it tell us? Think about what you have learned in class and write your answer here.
4:44:40
